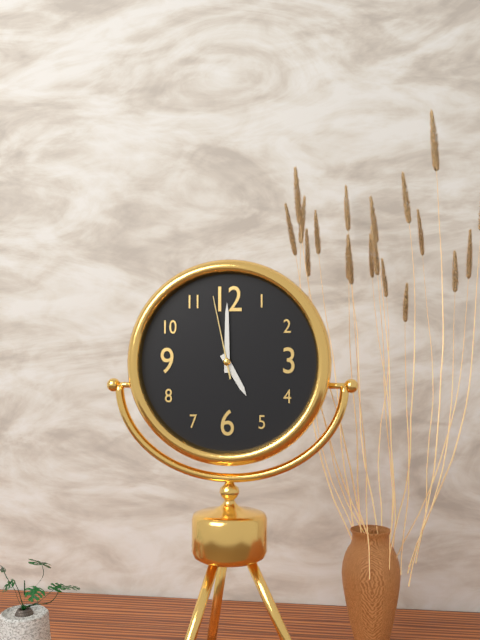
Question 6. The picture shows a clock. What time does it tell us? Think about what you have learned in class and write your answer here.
5:00:58
